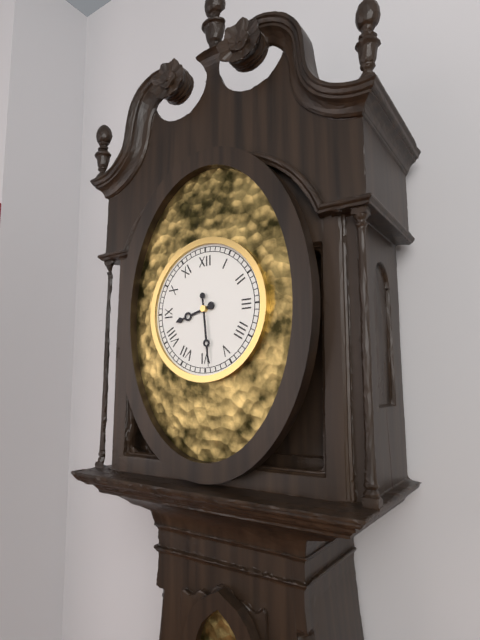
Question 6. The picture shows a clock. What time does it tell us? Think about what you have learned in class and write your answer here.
8:29
